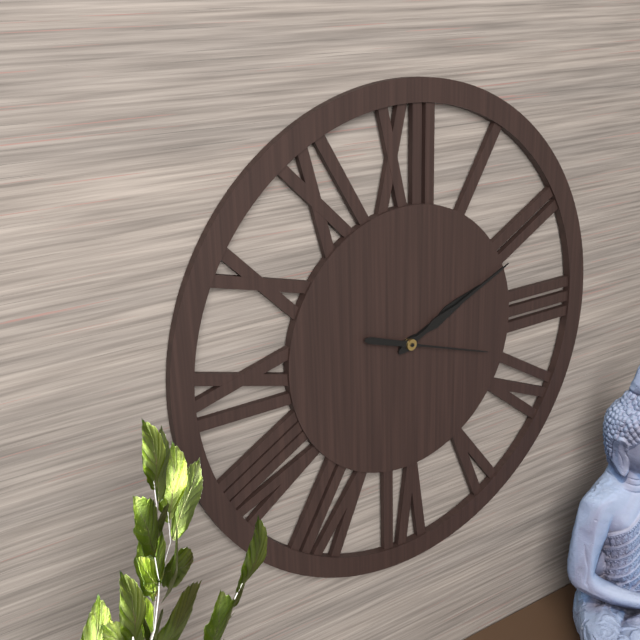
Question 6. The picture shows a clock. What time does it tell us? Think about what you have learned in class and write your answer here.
2:11:18
